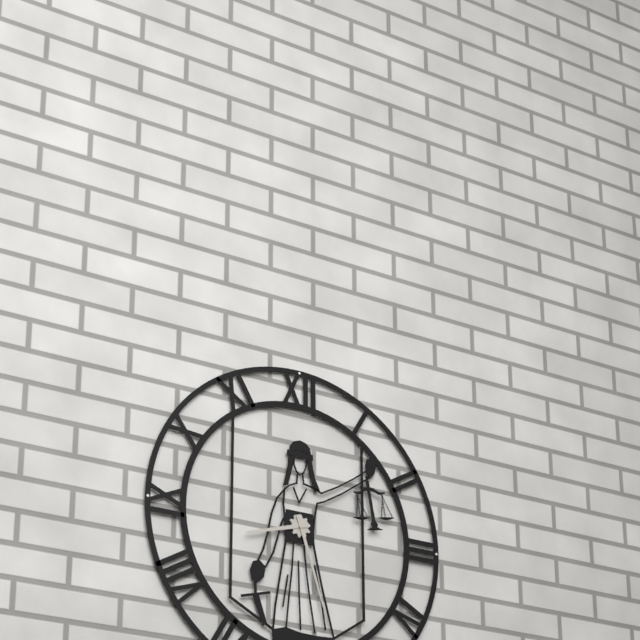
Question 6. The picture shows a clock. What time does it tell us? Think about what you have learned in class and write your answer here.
8:27
